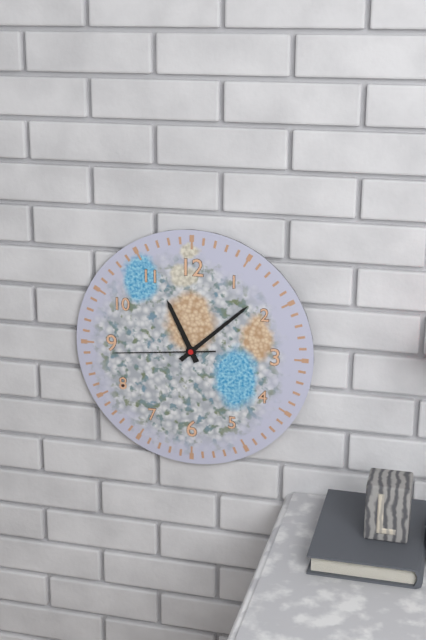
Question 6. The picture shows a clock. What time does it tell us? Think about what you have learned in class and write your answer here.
11:08:44
